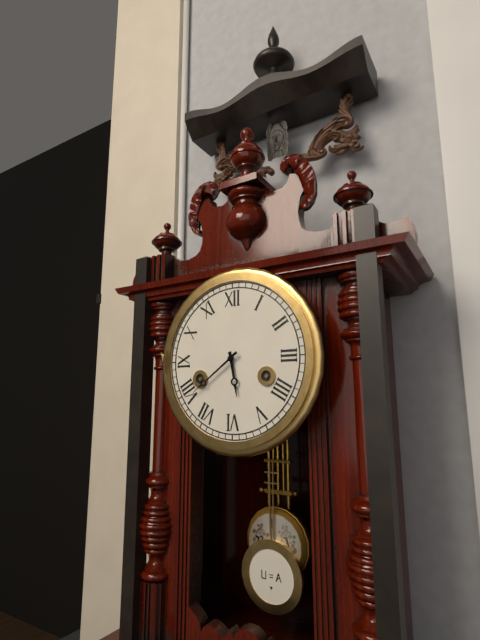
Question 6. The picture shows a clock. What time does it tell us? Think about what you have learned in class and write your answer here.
5:39
